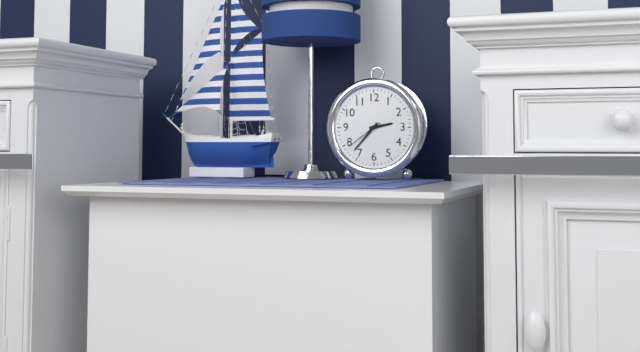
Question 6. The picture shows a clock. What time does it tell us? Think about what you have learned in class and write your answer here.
2:37
